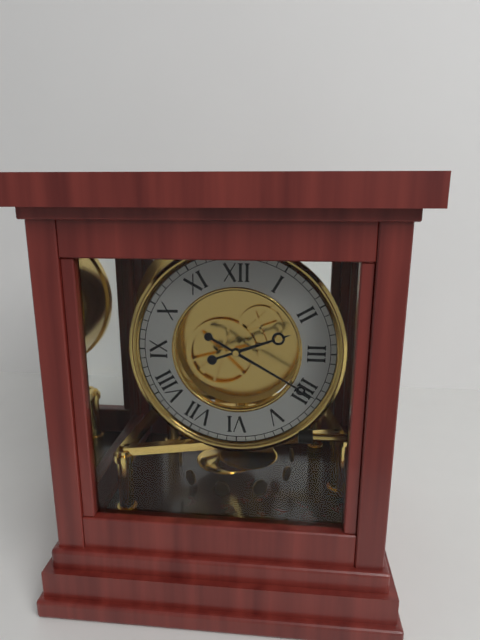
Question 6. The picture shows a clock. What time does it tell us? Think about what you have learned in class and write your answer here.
2:20
